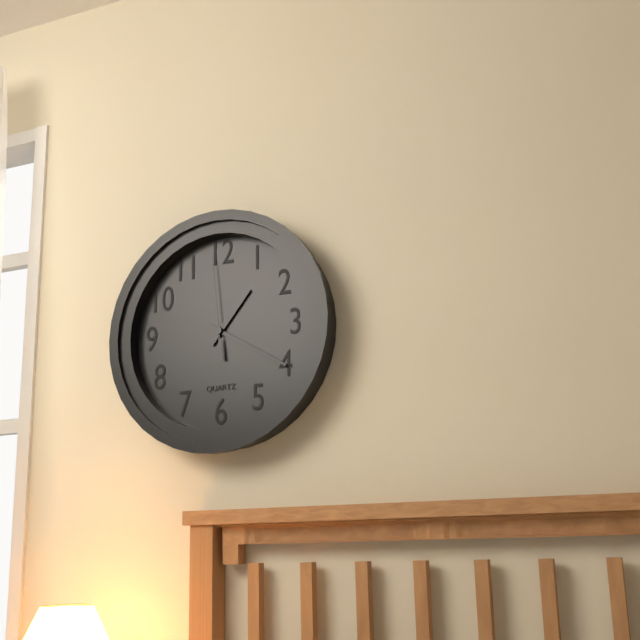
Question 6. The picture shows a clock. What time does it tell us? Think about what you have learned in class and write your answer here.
1:20:59
